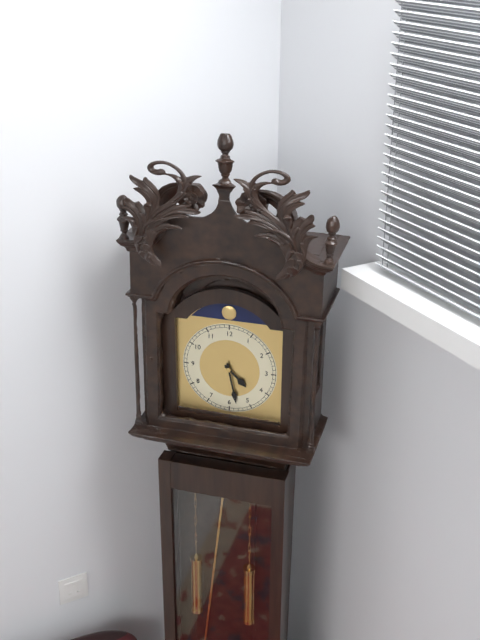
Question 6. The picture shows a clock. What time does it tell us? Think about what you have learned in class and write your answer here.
4:28
